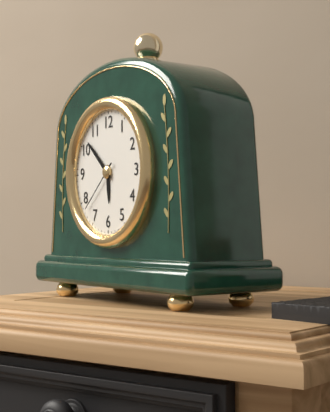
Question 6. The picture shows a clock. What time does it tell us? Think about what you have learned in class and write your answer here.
5:52:38
